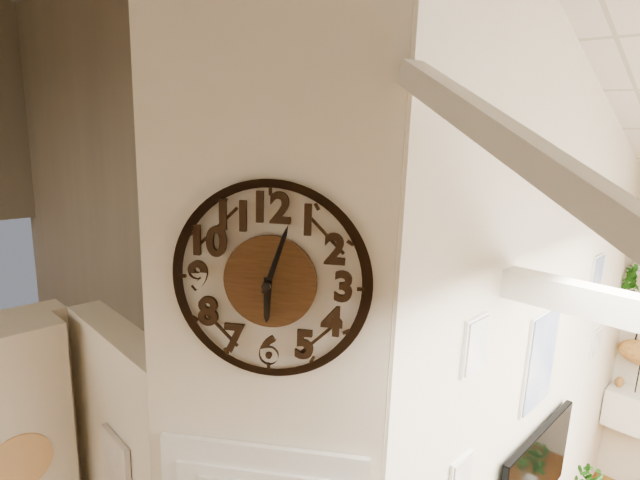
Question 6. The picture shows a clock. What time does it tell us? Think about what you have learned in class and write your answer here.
6:03
